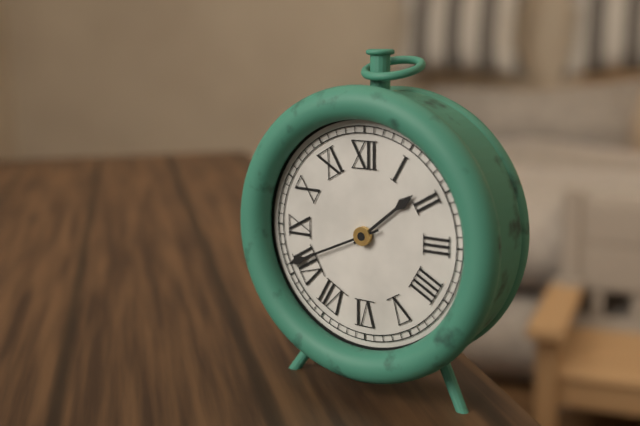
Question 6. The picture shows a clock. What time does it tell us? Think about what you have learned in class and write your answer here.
1:41
